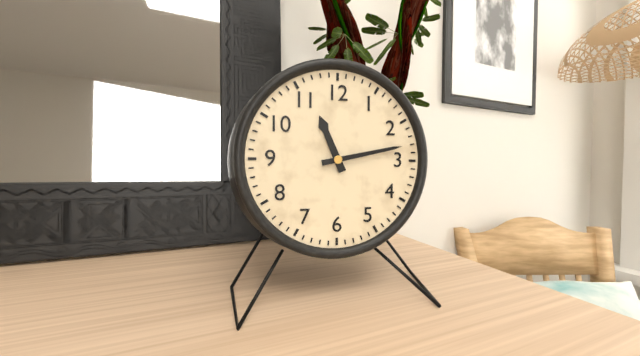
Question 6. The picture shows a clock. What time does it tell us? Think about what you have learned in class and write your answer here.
11:13
